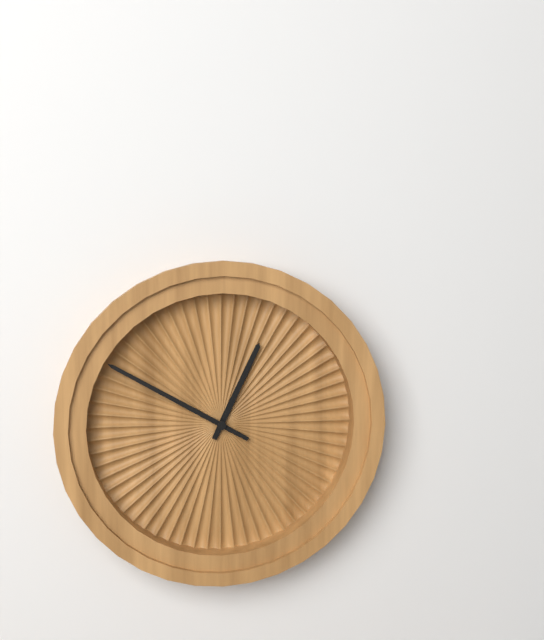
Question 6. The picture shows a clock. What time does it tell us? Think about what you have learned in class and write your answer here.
12:50
